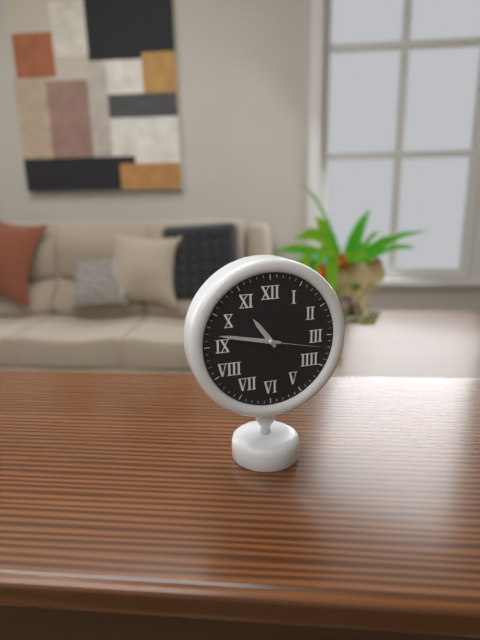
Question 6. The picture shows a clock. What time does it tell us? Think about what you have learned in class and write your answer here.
10:47:17
